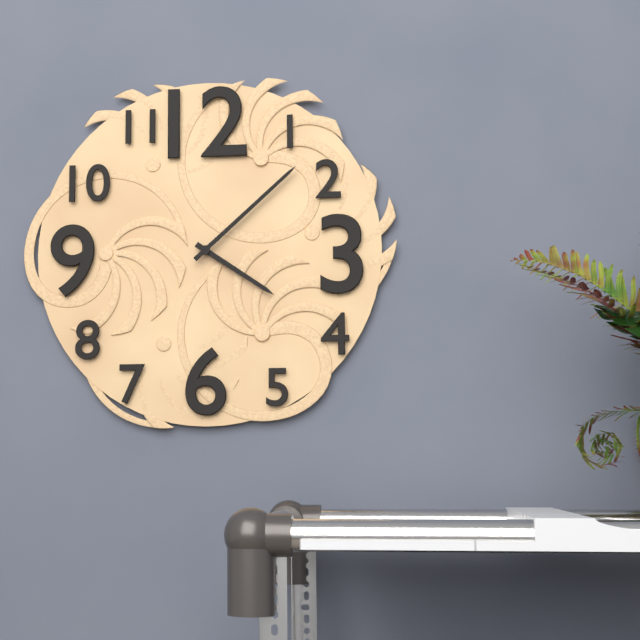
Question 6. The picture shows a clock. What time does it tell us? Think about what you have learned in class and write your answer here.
4:08
